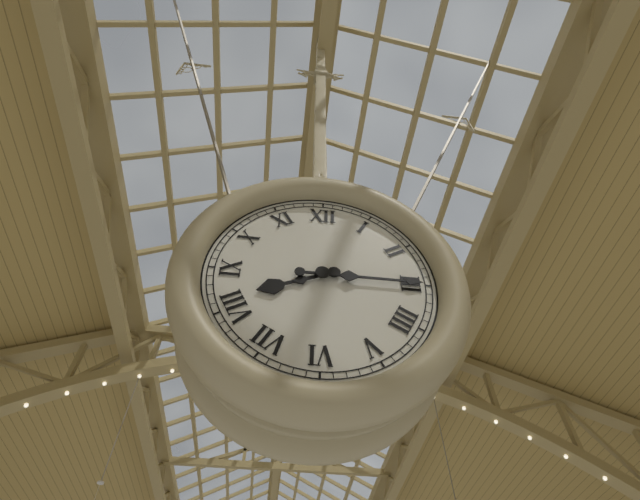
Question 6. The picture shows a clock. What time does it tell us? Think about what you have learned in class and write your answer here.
8:15
